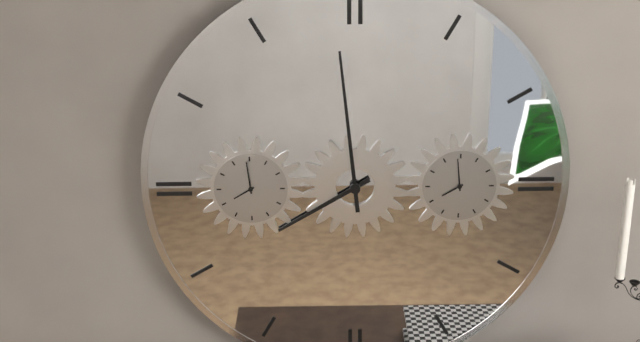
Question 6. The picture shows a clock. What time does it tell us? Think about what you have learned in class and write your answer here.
7:59
